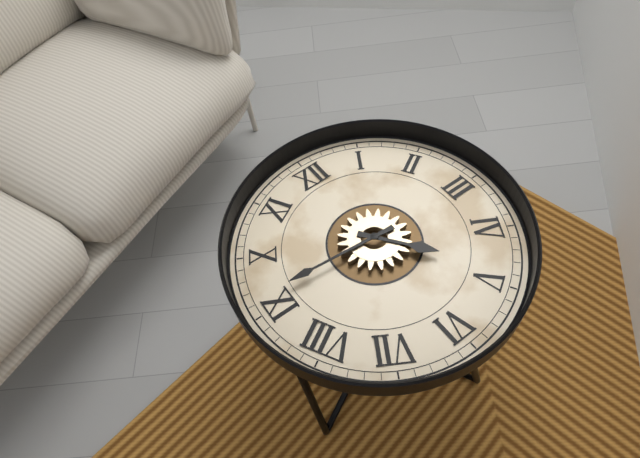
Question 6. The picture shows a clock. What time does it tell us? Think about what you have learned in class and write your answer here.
4:46
